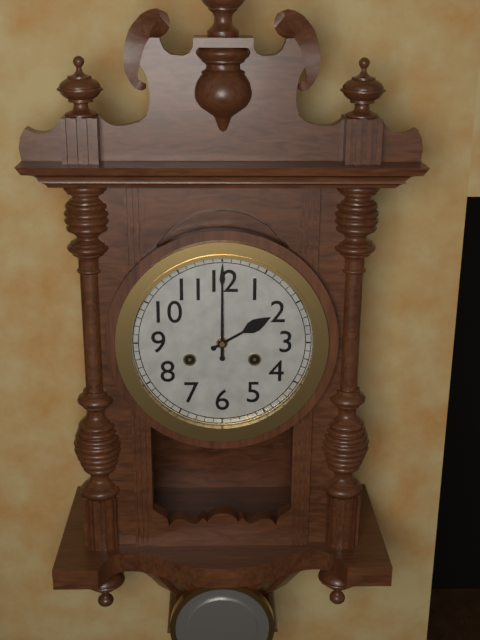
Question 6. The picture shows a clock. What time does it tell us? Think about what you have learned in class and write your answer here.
2:00
